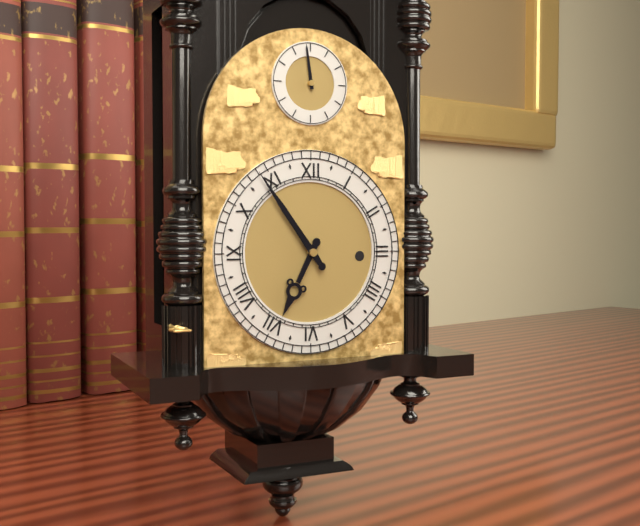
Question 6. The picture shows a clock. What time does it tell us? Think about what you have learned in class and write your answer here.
6:54
